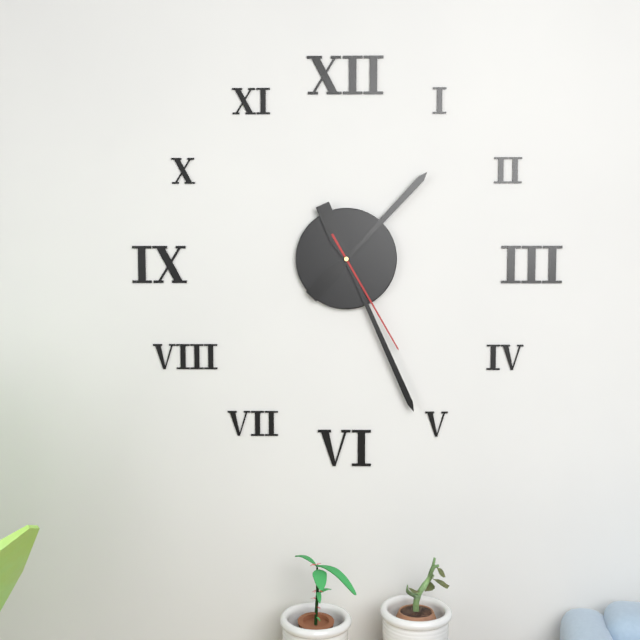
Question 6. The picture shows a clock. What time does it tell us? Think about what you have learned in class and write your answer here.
1:26:25
